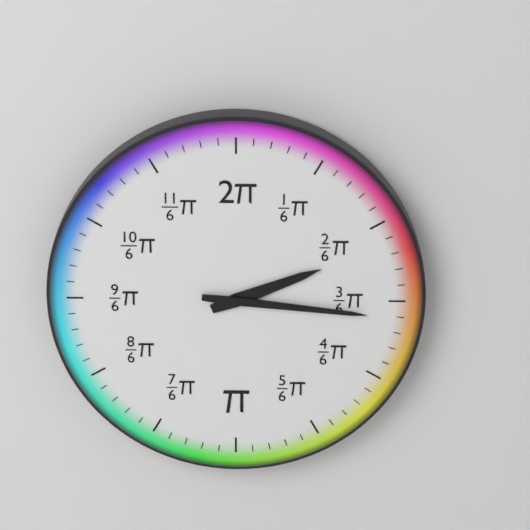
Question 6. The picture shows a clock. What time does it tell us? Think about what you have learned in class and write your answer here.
2:16
